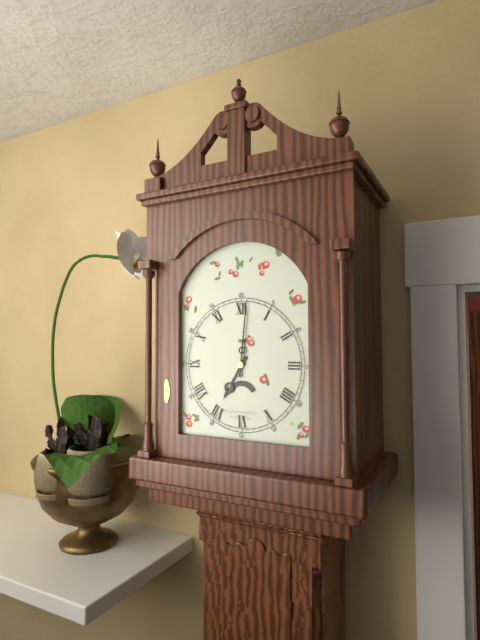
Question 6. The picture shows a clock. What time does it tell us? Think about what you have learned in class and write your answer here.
7:01
